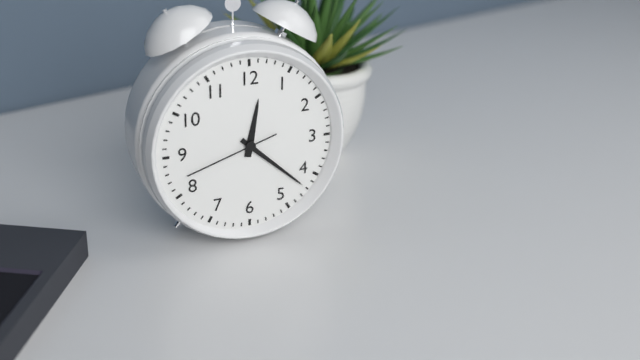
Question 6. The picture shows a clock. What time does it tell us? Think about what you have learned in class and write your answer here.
12:22:42
